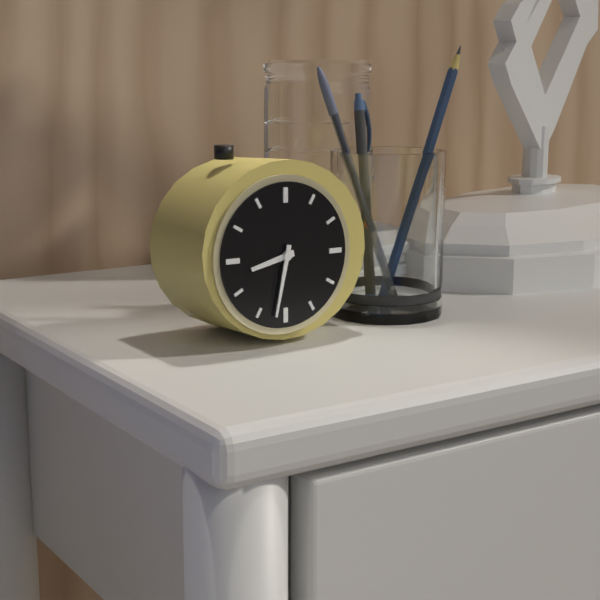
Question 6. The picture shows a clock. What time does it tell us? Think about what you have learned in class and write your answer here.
8:32
